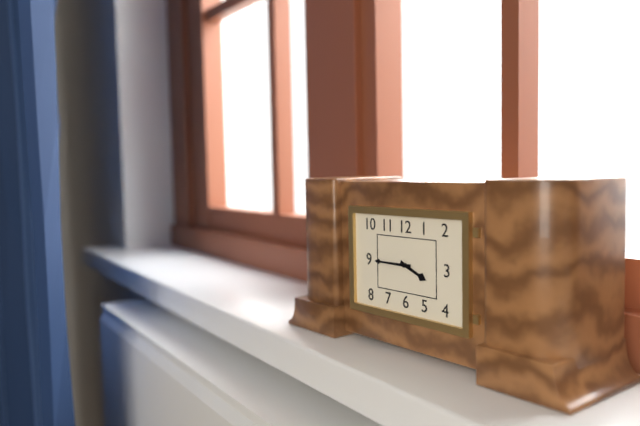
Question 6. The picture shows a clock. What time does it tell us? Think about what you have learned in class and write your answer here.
3:45
